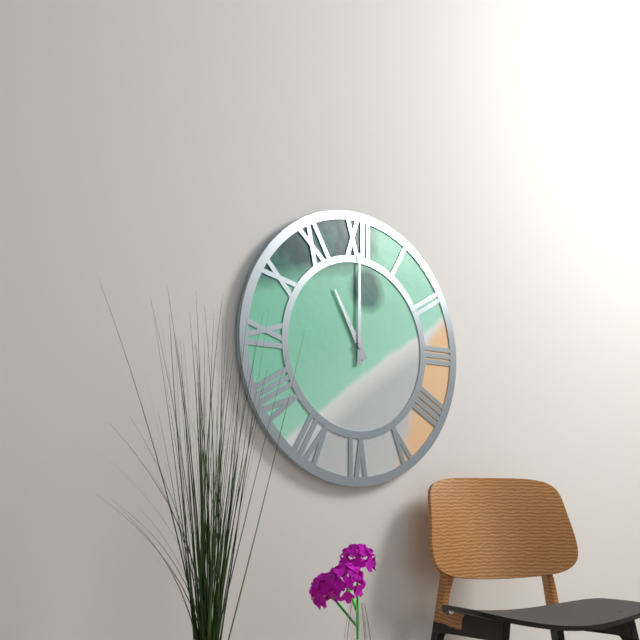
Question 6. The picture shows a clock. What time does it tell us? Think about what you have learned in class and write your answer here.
11:00
